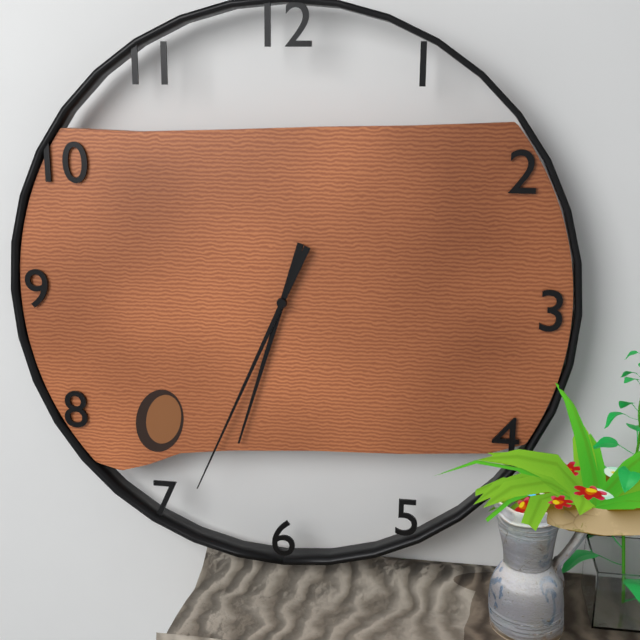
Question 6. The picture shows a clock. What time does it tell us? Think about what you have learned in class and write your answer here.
6:34
